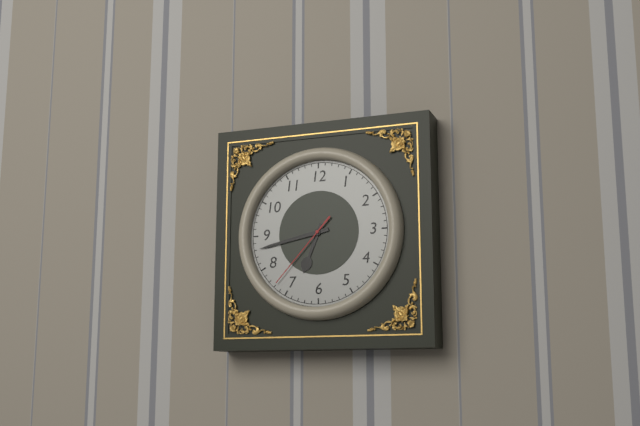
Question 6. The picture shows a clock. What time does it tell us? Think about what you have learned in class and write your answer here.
6:43:37
